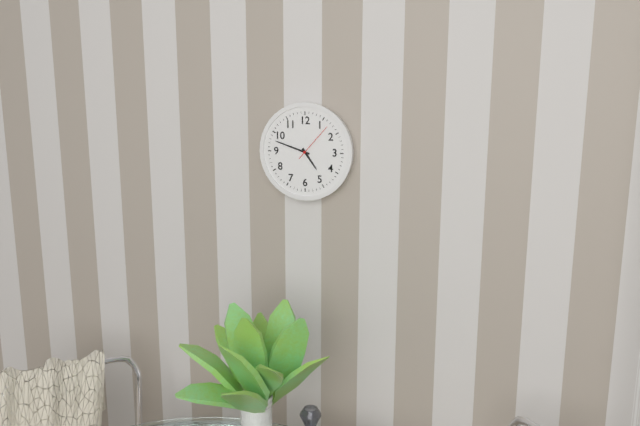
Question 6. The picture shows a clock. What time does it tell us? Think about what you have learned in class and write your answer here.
4:48
